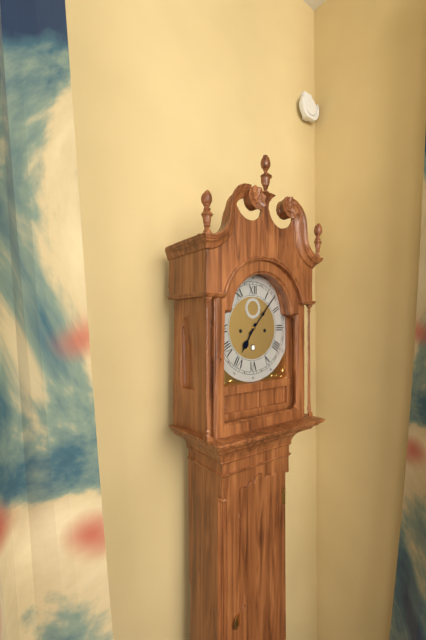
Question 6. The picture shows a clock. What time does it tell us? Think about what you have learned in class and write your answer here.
7:07
